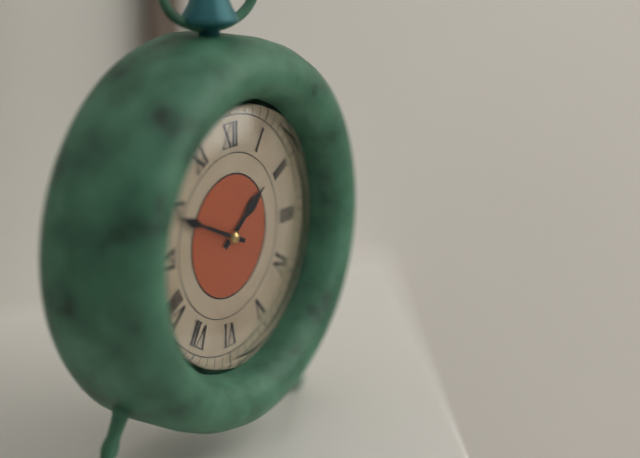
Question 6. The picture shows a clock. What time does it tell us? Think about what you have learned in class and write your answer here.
1:49
